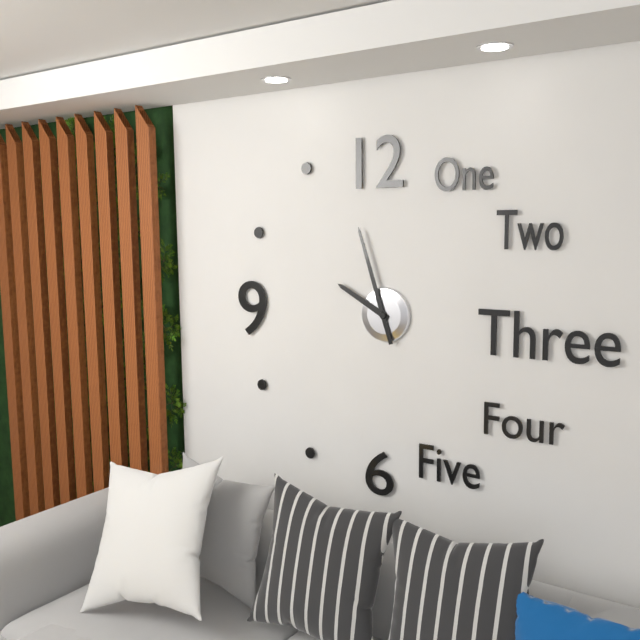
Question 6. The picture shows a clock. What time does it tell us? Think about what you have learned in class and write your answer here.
9:57
